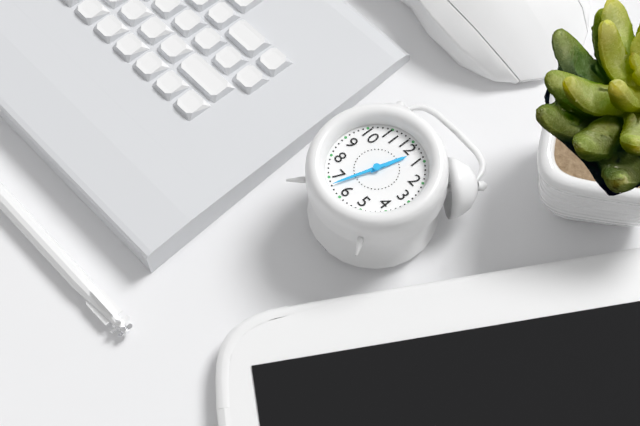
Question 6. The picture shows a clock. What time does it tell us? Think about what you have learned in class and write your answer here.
12:33
